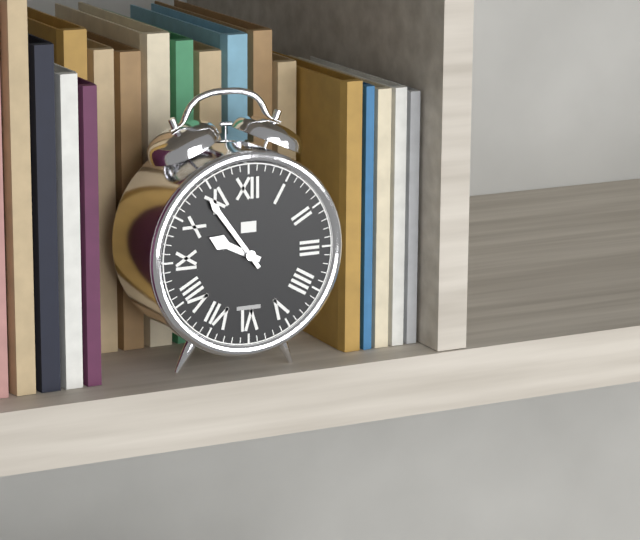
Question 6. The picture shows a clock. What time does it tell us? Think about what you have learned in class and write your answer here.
9:54
